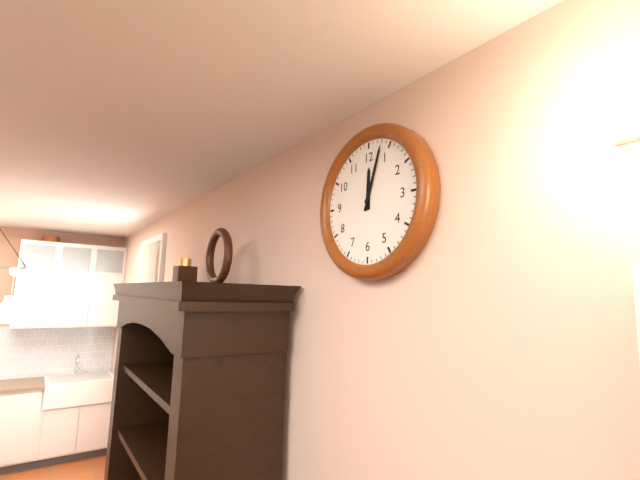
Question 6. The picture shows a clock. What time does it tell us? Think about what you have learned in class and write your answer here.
12:03
